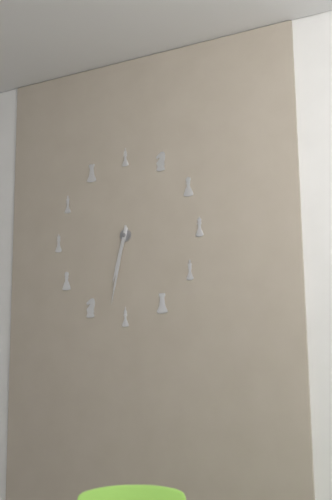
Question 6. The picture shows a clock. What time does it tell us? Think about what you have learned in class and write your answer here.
6:32
